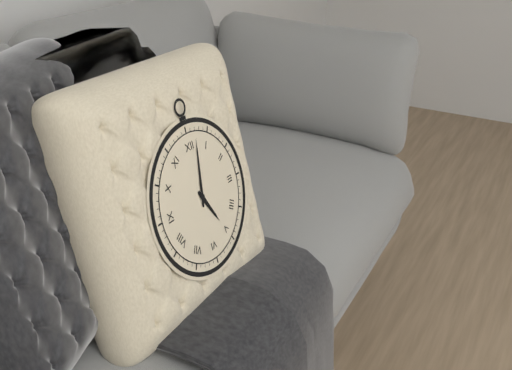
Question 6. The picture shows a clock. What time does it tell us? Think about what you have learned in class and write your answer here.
5:02
